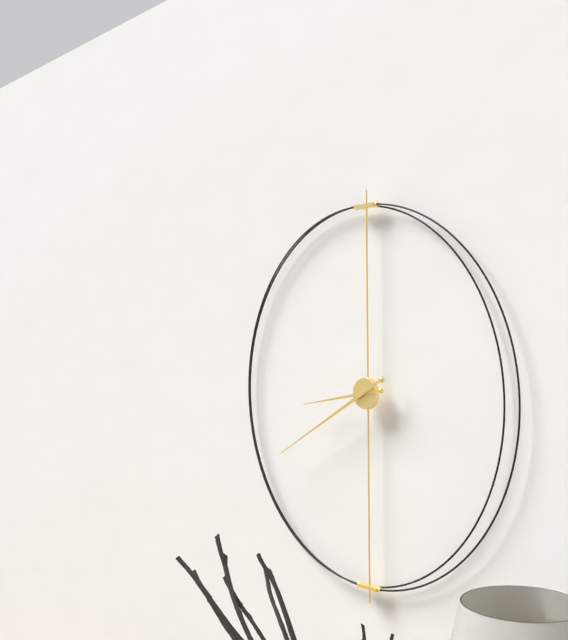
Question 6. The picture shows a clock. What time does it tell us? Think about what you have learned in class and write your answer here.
8:40
